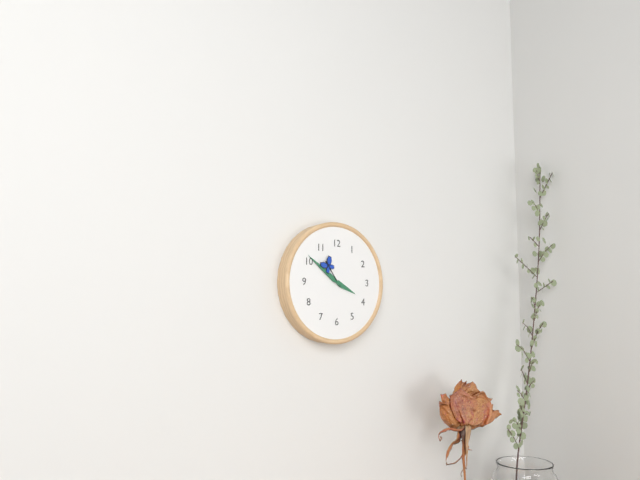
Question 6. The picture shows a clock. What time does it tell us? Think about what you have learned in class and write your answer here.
3:51
